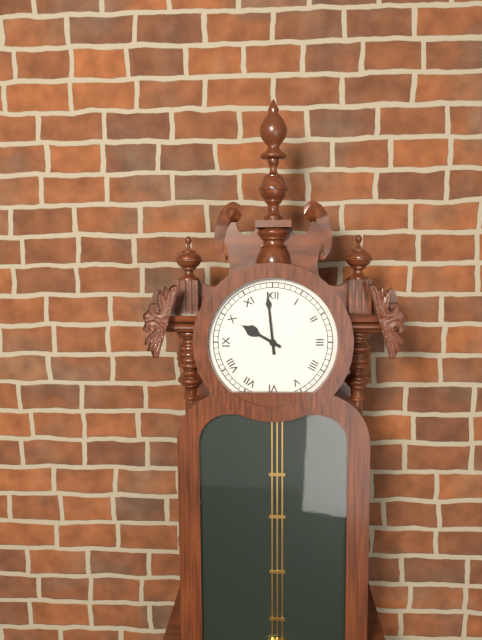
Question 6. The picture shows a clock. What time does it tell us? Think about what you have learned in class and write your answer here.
9:59
